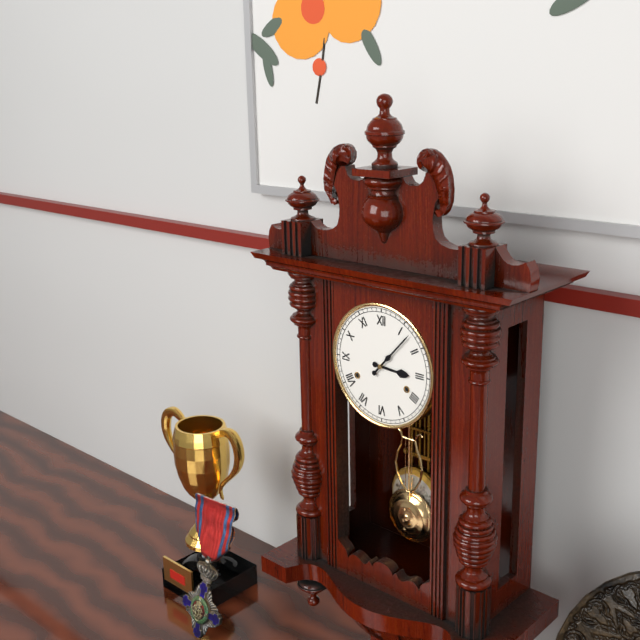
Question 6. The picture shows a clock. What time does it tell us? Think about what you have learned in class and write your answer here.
3:07
